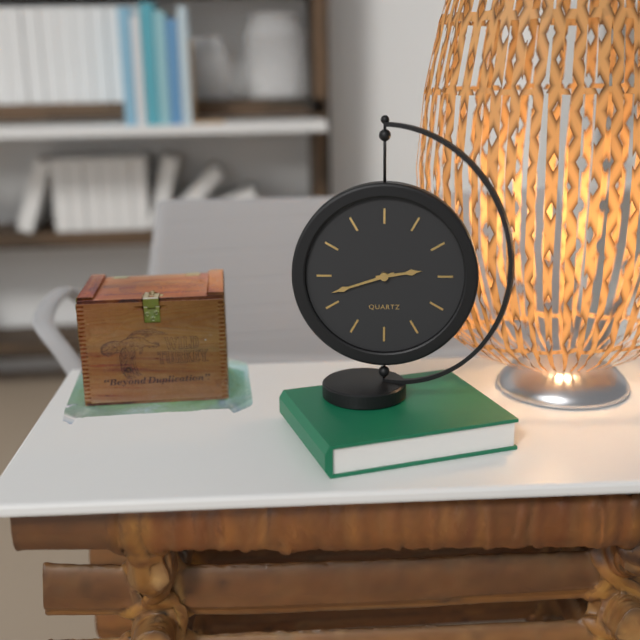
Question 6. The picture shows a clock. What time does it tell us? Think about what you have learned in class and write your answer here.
2:42
